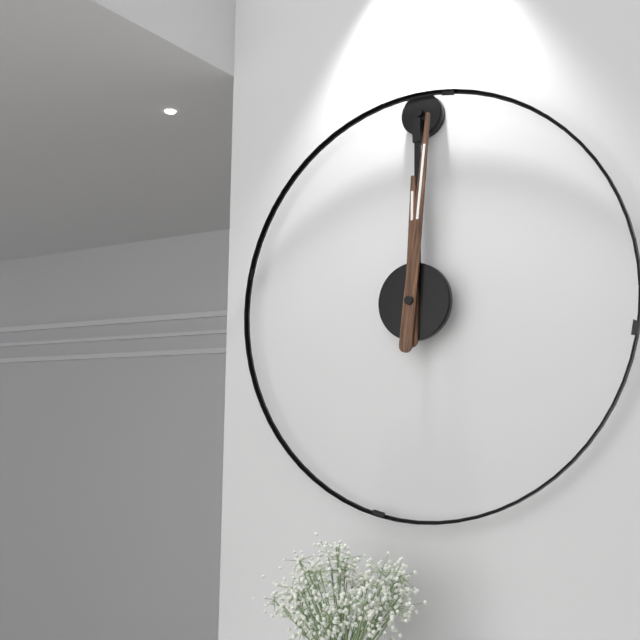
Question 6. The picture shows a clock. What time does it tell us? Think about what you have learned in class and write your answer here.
12:01
